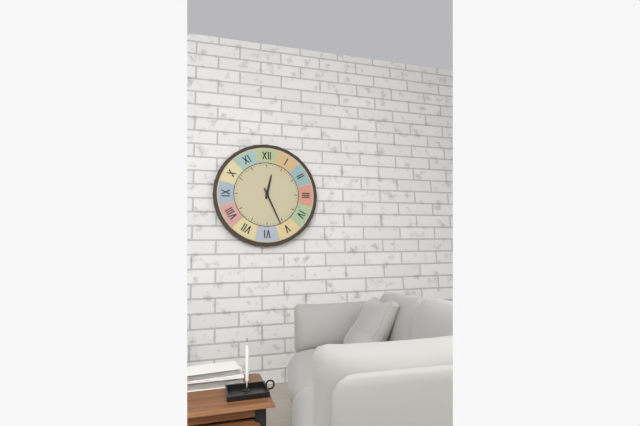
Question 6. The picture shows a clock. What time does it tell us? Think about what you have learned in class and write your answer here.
12:26
